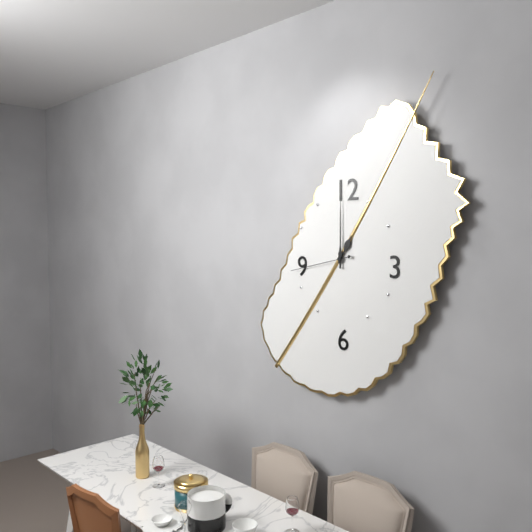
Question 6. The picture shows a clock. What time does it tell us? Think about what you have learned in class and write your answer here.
1:00:43
